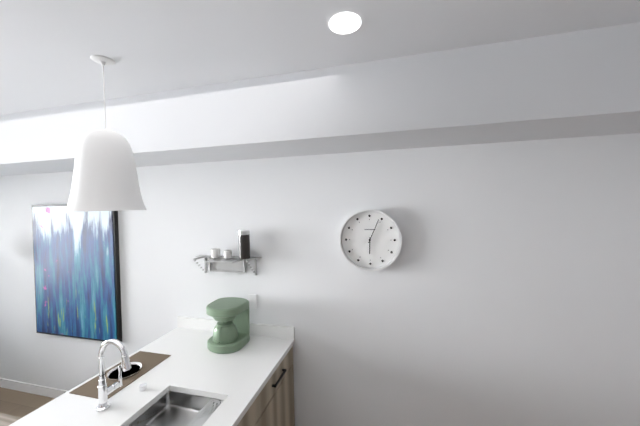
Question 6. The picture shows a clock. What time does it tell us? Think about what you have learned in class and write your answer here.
6:04
